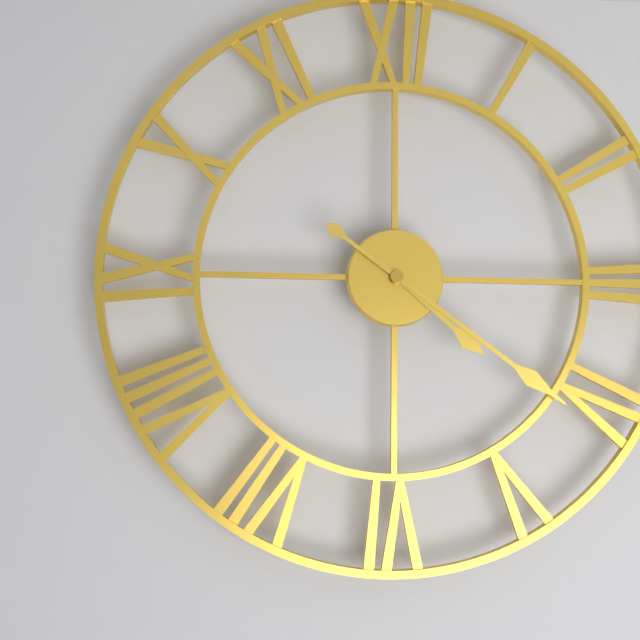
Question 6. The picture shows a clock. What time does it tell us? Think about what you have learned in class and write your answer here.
4:21
